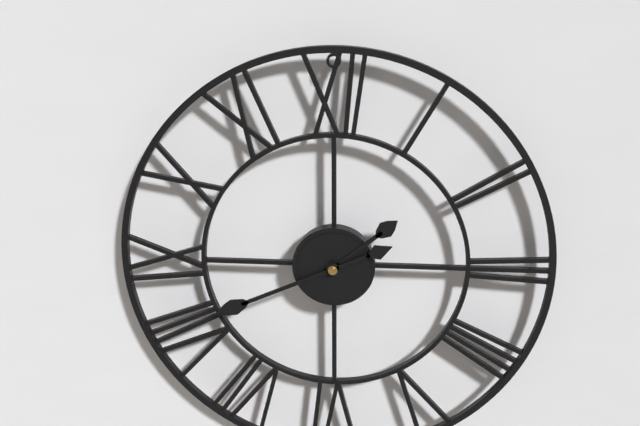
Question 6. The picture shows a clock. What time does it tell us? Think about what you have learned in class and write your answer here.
1:41
